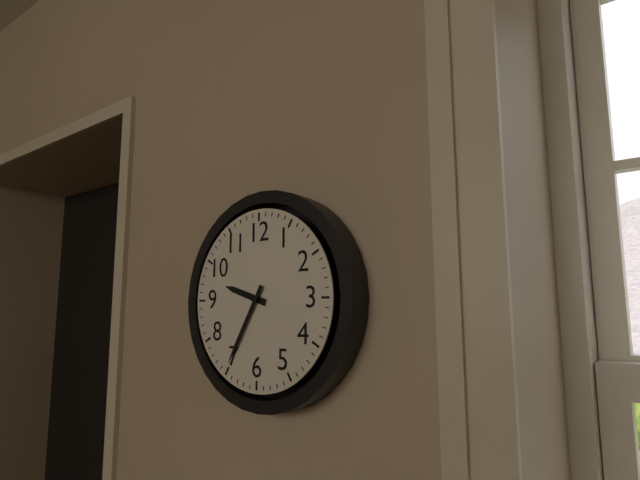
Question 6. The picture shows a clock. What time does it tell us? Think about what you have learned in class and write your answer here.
9:35
